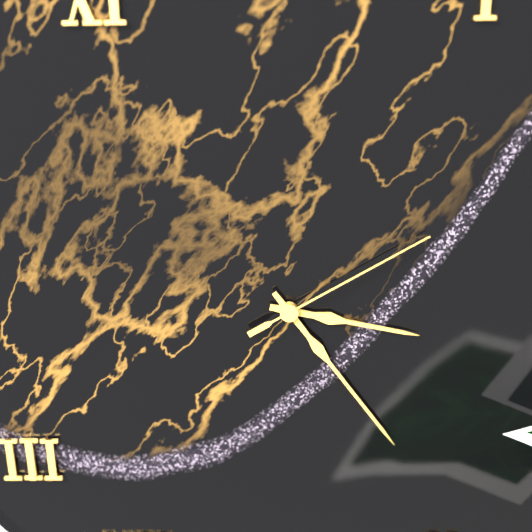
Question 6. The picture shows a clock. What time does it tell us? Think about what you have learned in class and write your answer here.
3:24:10
